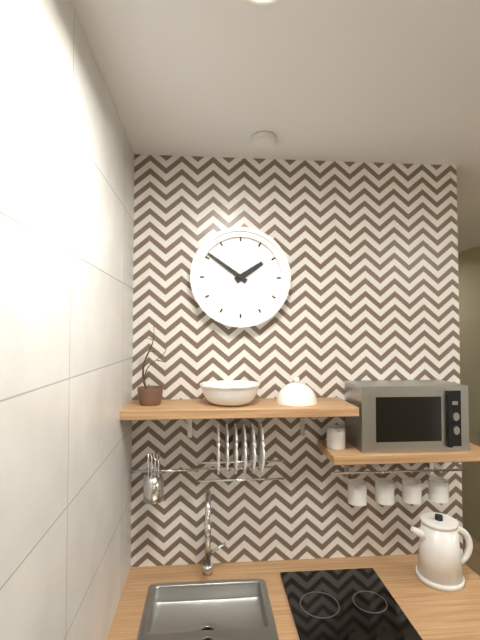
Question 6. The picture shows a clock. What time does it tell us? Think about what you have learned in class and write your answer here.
1:51
